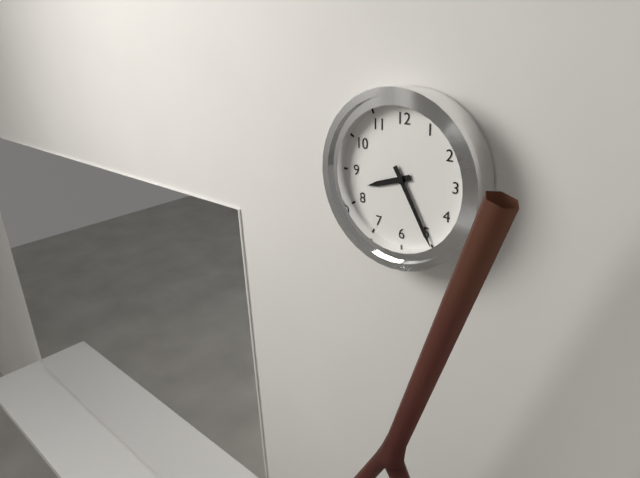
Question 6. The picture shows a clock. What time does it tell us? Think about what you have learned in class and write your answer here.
8:25
